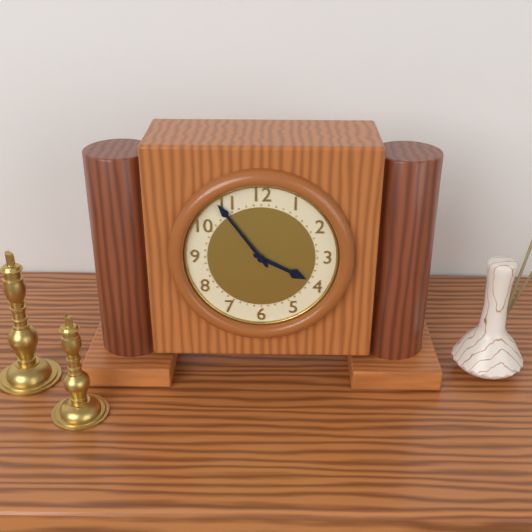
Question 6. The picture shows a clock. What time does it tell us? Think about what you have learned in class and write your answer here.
3:54
